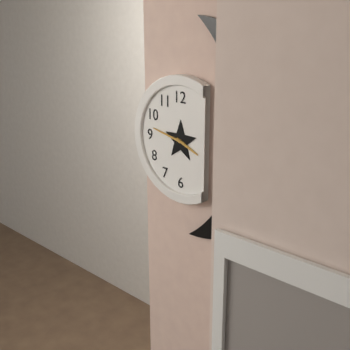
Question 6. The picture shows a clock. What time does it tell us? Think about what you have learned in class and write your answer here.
3:47
